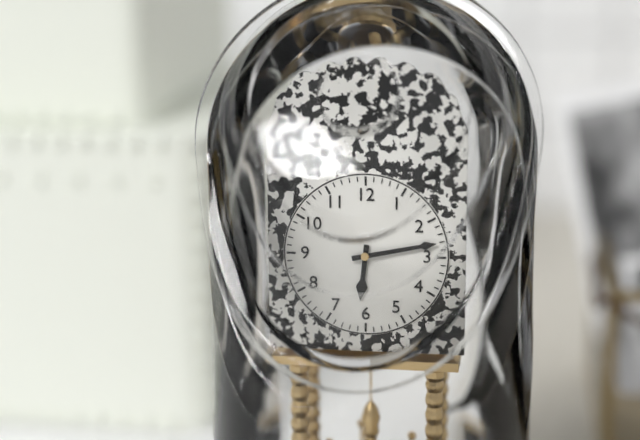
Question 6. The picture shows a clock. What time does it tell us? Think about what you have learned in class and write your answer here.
6:13
